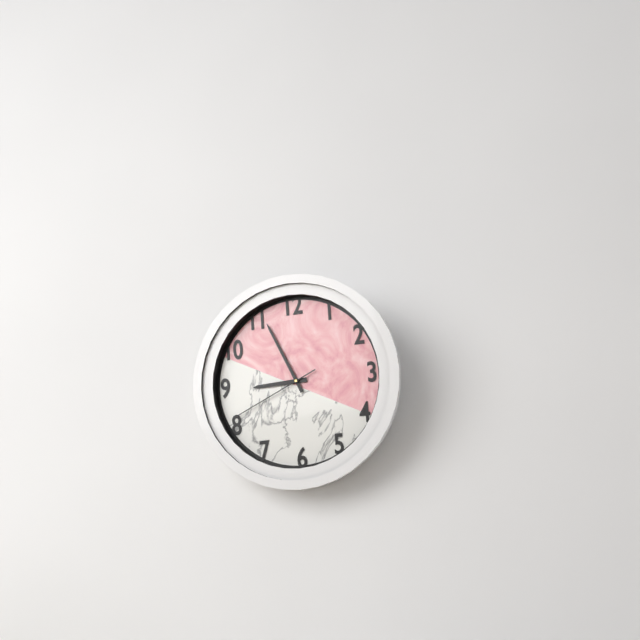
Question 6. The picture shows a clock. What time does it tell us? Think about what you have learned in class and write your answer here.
8:56:41
